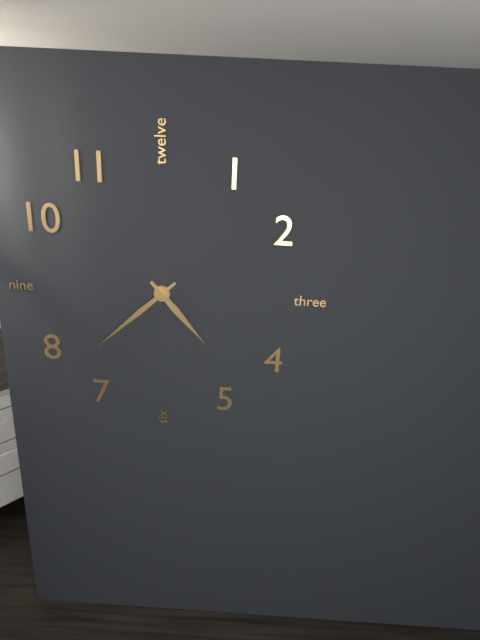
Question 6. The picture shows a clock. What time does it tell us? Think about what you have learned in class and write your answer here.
4:38
